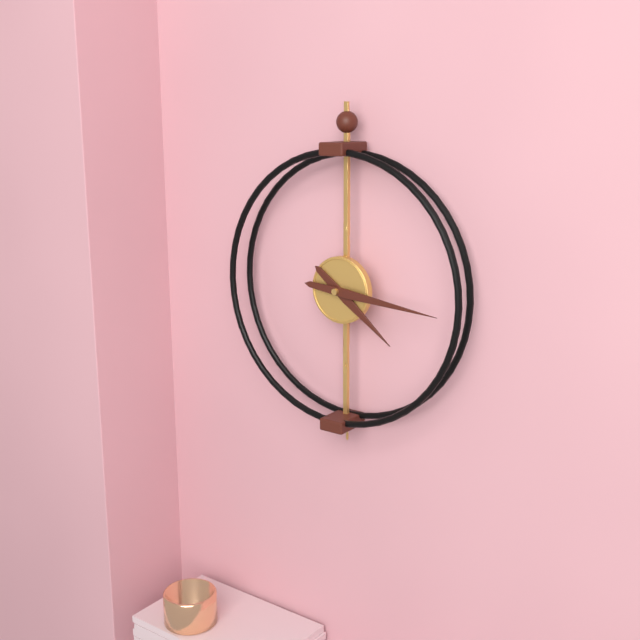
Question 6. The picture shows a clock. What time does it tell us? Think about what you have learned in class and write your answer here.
4:16
